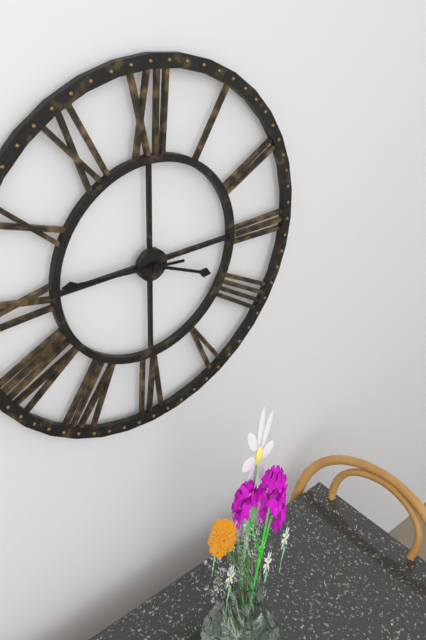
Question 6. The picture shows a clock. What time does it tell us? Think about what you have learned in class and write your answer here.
3:46
